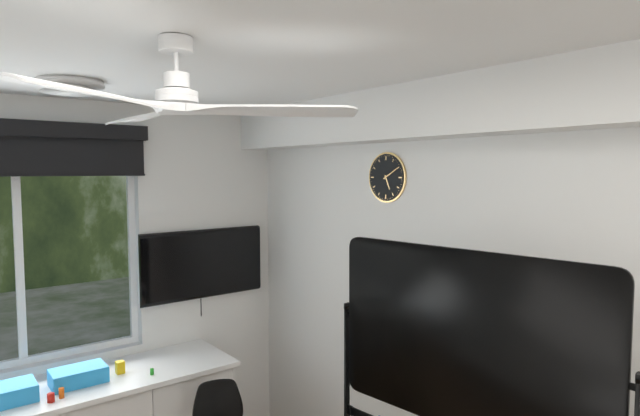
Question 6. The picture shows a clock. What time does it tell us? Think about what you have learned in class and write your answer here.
5:10
